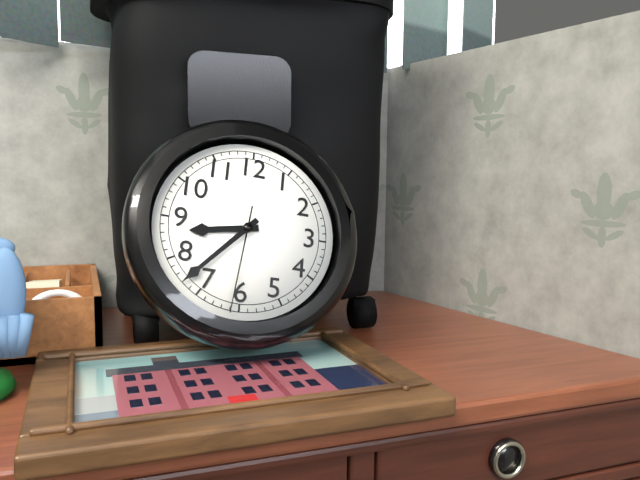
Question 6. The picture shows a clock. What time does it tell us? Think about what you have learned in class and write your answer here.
8:37:31
